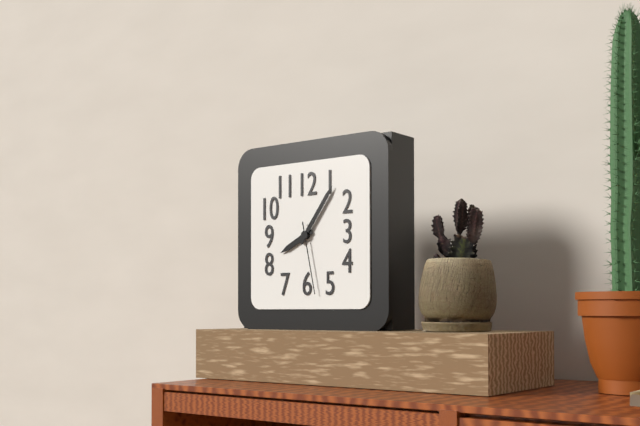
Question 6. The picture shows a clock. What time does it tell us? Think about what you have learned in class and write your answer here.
8:06:28
